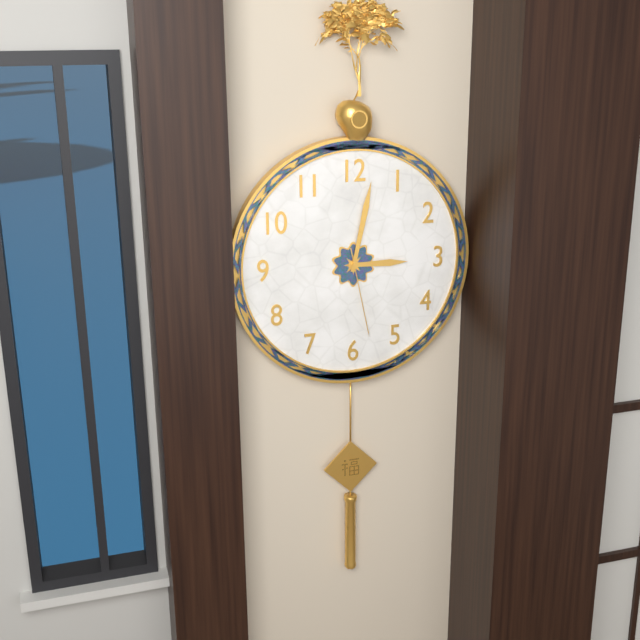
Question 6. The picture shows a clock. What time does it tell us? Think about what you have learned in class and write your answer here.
3:02:28
